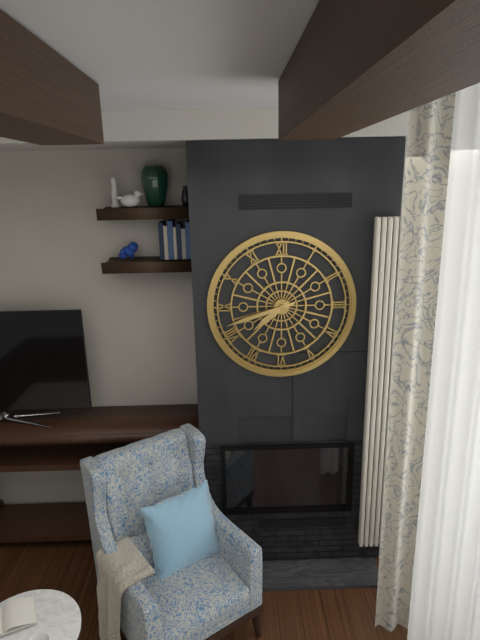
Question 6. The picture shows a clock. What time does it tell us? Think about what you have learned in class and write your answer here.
7:42
